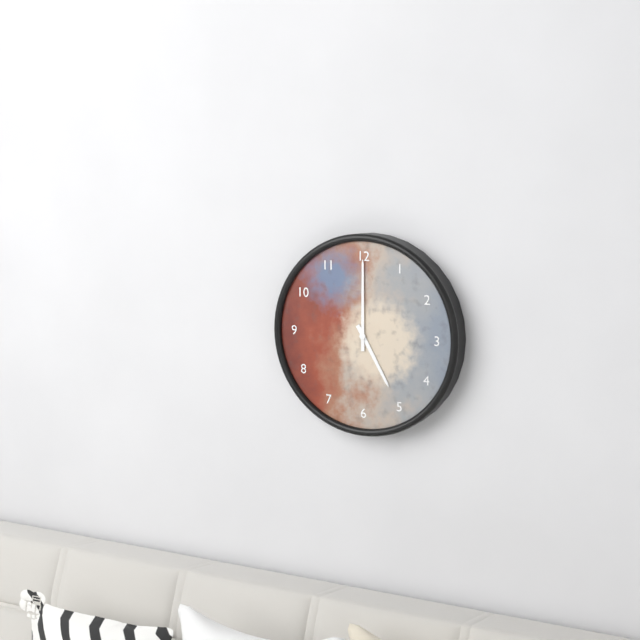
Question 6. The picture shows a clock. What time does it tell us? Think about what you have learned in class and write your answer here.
5:00
